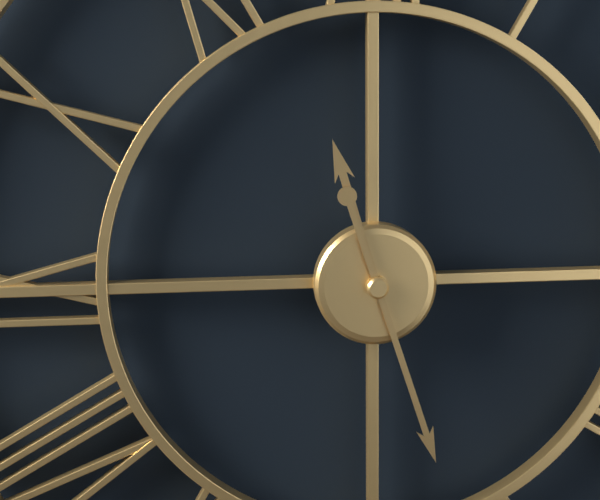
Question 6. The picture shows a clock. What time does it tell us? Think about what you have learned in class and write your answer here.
11:27
